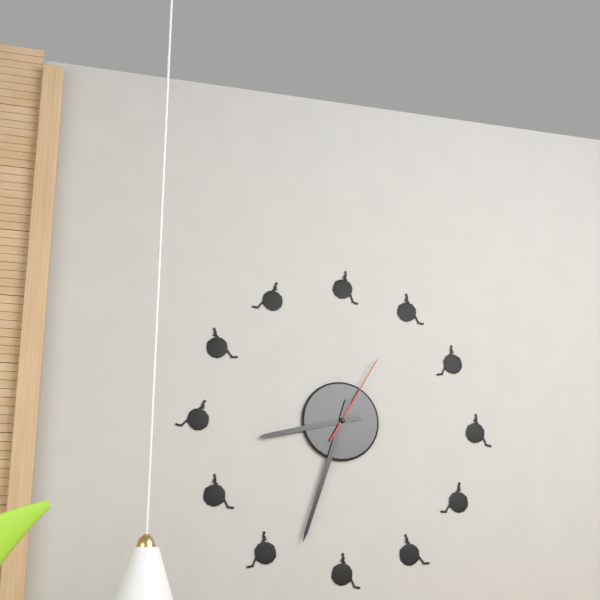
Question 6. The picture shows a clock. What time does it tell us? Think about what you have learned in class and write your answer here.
8:33:05
